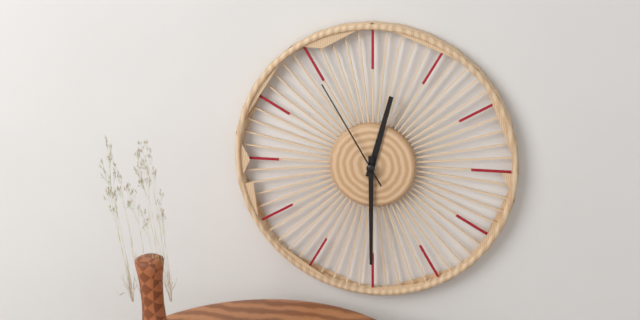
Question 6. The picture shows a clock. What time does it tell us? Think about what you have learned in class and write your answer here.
12:30:55
